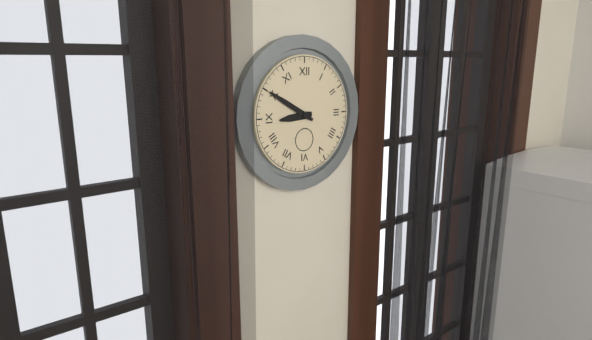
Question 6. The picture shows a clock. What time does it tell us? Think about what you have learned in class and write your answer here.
8:50
